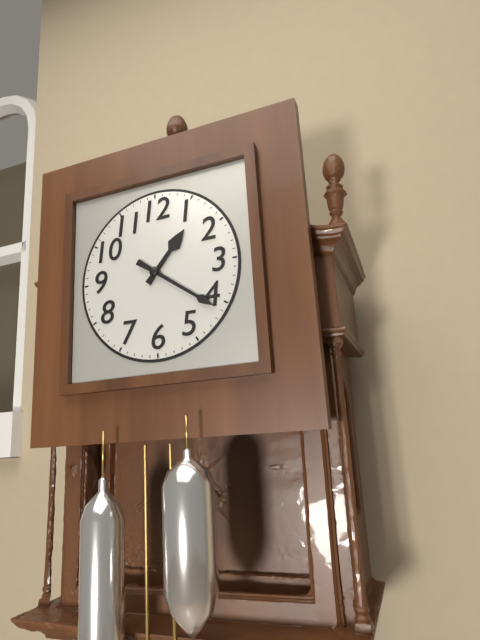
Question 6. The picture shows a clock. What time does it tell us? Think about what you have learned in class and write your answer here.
1:21
